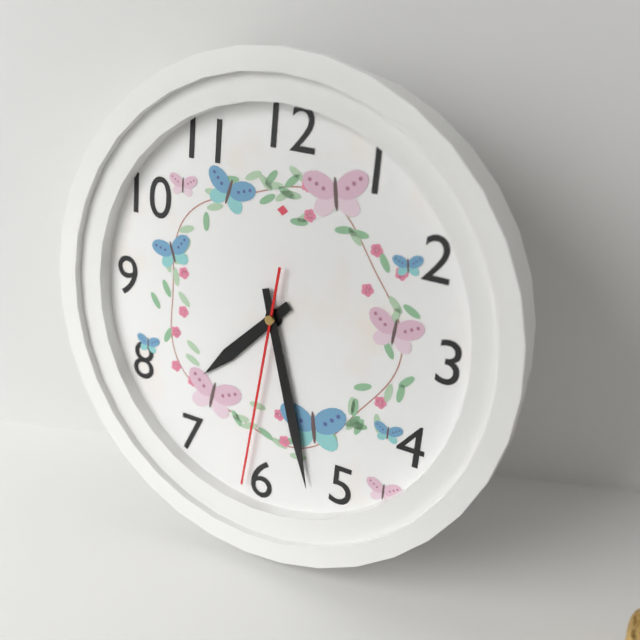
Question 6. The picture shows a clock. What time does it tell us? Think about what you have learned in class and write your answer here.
7:27:31
